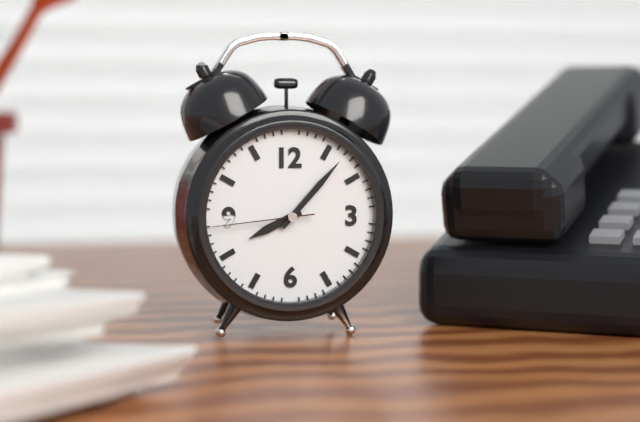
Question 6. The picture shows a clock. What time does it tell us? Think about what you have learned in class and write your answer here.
8:07:44
